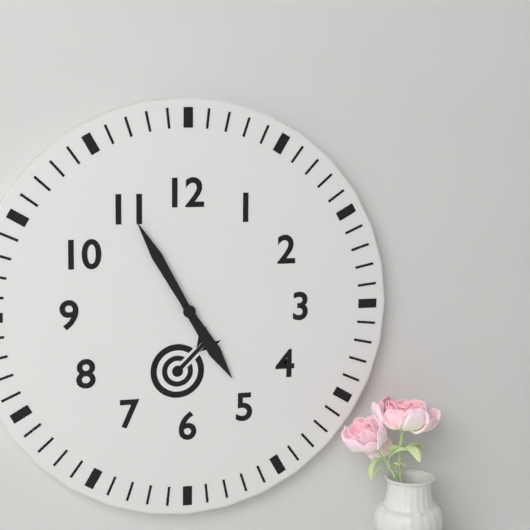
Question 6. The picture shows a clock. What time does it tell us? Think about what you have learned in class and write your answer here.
4:55
